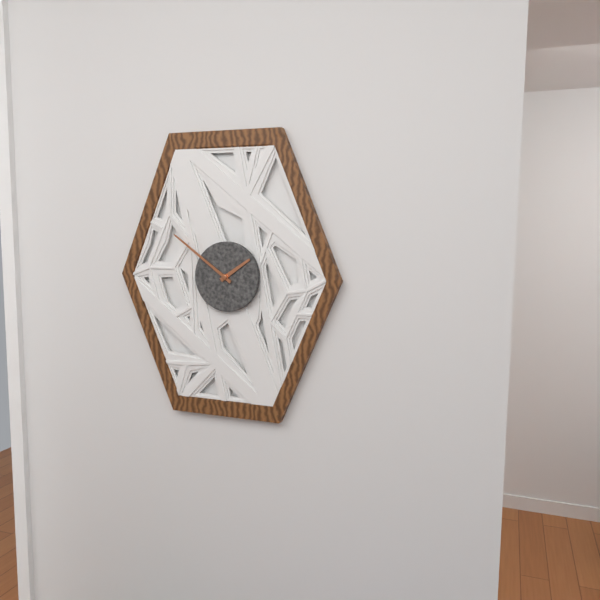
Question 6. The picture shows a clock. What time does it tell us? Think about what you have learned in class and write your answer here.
1:51
